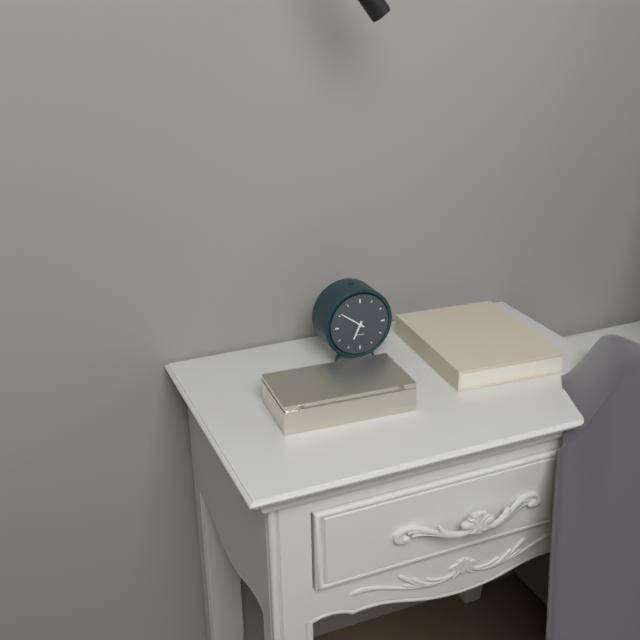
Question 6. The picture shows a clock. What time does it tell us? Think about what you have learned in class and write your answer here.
6:51
